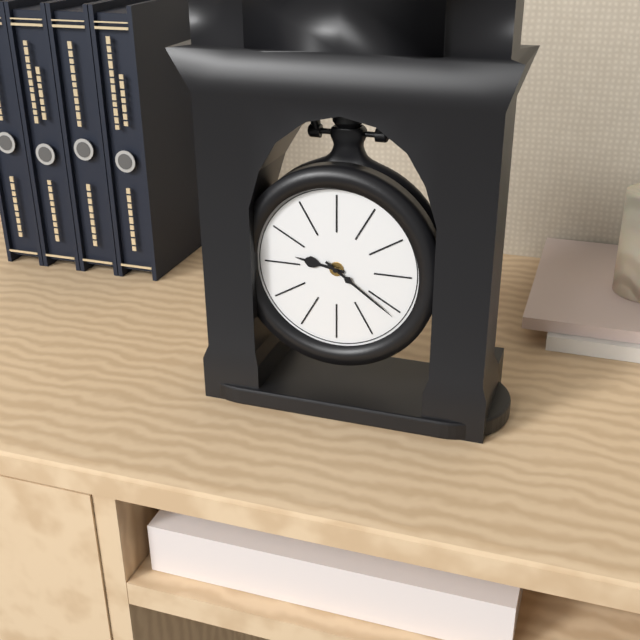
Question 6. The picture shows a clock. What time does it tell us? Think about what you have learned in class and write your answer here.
9:21
